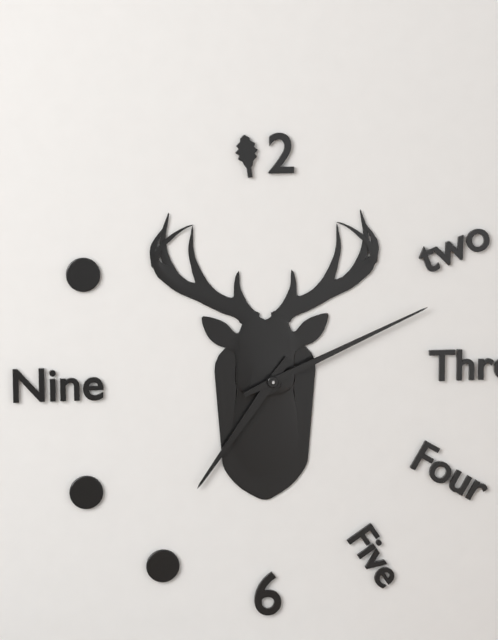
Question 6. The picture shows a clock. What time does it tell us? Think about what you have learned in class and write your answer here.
7:11
